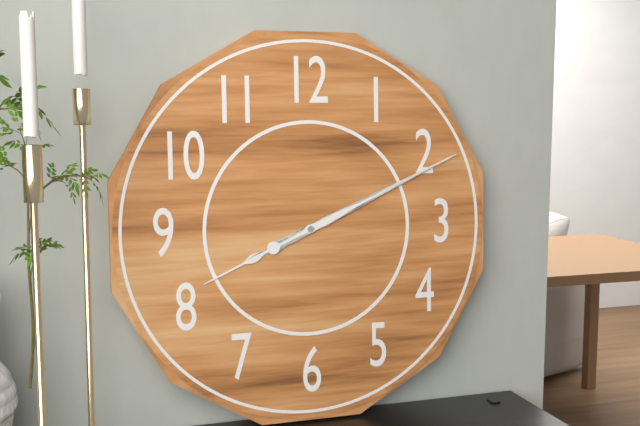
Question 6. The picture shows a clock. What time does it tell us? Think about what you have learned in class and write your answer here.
8:11
